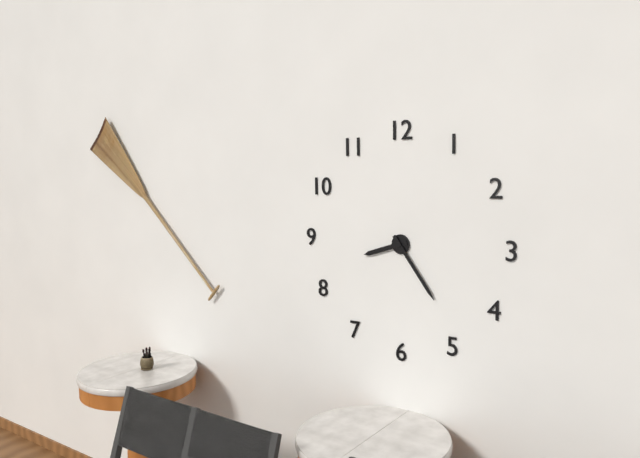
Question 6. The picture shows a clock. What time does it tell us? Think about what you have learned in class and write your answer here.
8:24
